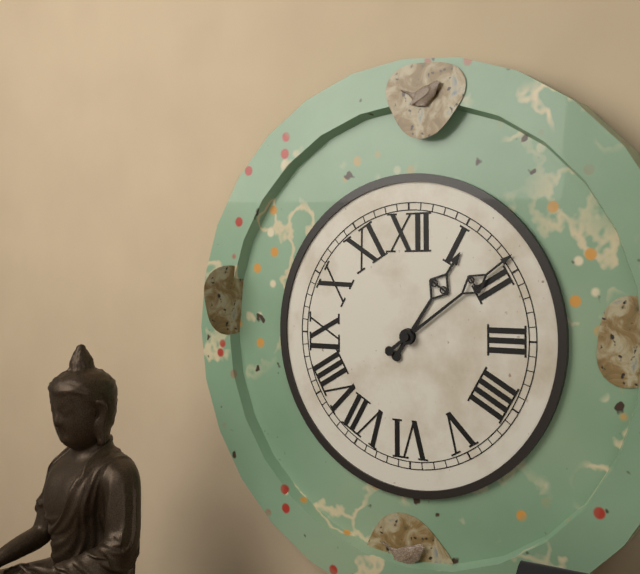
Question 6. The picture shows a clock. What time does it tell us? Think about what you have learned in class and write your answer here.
1:09
